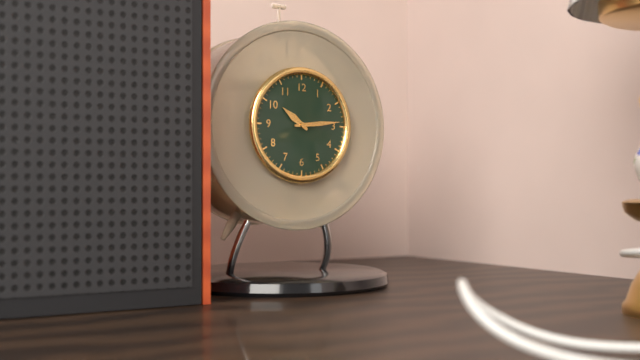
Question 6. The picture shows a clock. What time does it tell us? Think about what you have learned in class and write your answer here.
10:14
